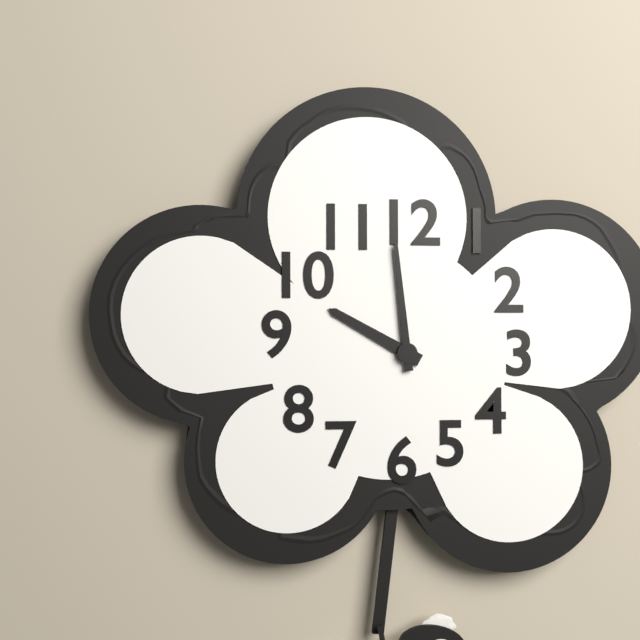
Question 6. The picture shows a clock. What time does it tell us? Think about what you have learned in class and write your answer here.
9:59
